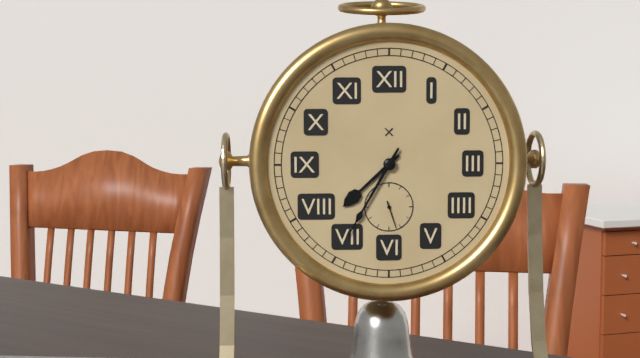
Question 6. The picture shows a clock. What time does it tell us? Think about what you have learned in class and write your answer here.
7:35
